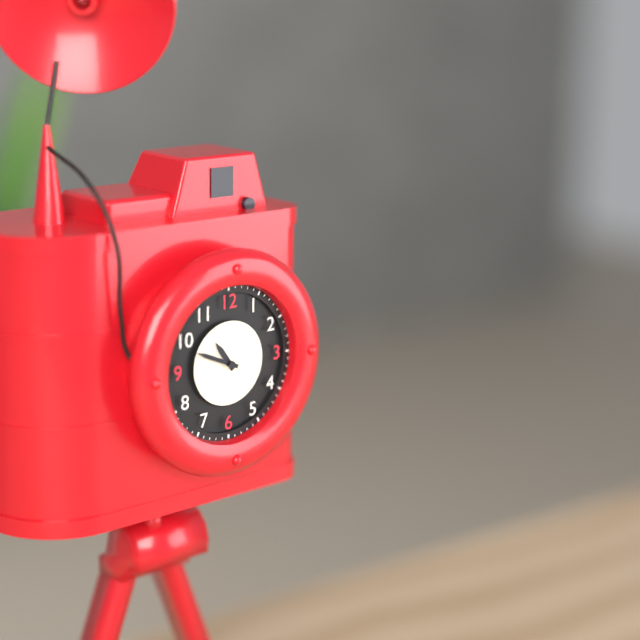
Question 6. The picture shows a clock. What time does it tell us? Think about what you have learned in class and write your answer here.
10:49
